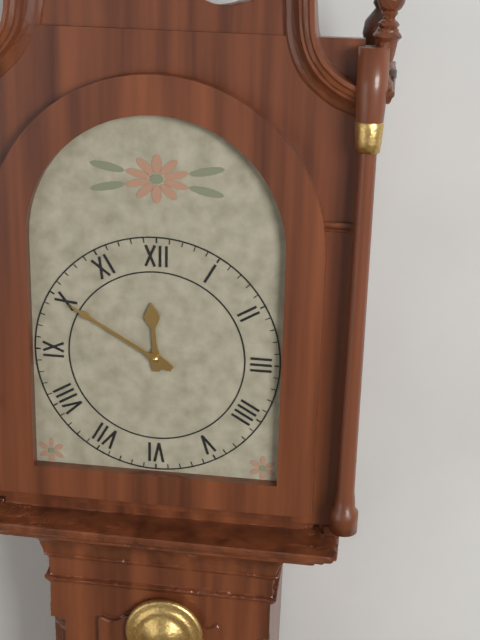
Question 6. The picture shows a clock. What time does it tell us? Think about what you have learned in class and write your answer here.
11:50
